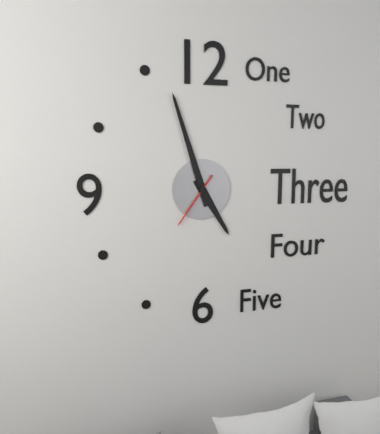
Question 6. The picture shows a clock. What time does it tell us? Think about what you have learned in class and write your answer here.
4:57:36
